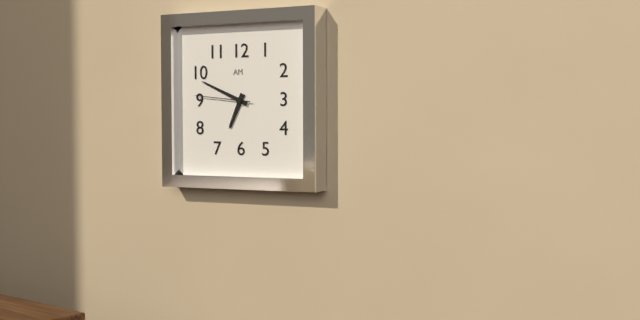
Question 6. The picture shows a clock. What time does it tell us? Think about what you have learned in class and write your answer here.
6:49:46
